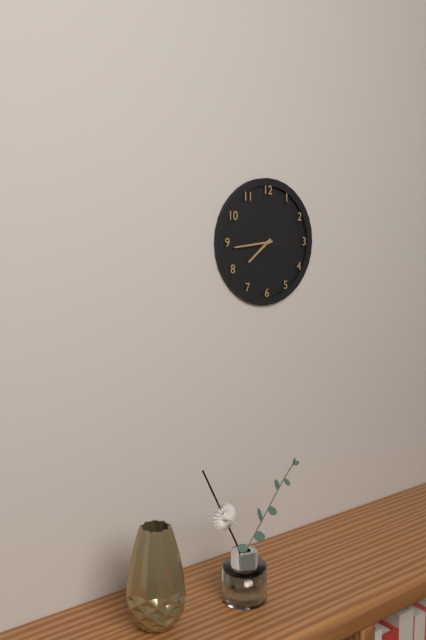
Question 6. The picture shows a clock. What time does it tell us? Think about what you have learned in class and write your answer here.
7:44
